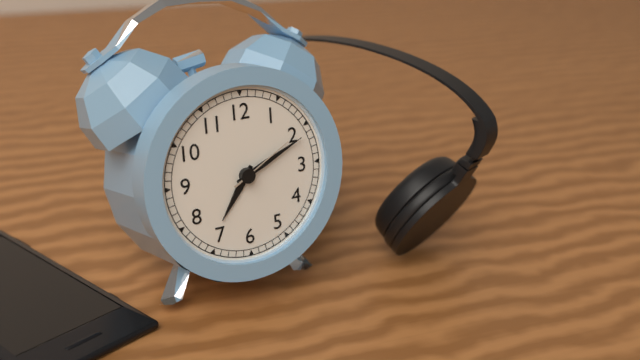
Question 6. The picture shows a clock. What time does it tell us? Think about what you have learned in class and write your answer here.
7:11:10
